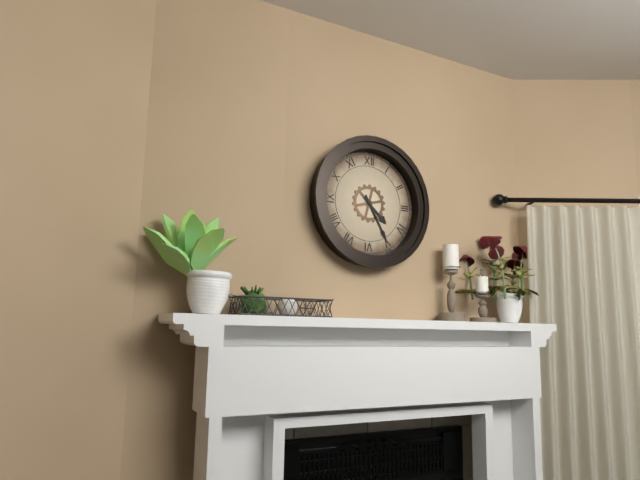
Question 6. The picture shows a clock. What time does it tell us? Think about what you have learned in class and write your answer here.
4:25
